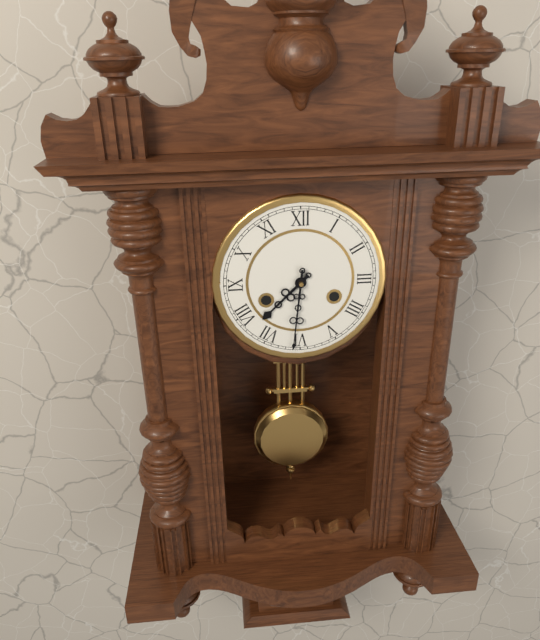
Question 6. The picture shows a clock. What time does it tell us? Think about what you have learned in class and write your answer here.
7:31
